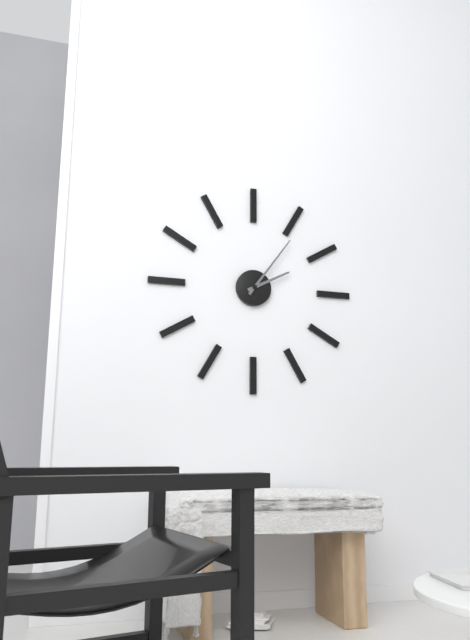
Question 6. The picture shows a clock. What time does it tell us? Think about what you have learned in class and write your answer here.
2:06
